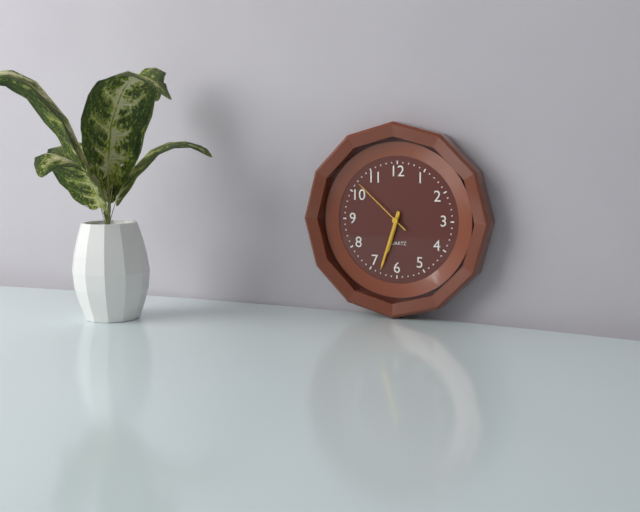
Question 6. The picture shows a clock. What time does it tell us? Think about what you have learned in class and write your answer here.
6:33:52
